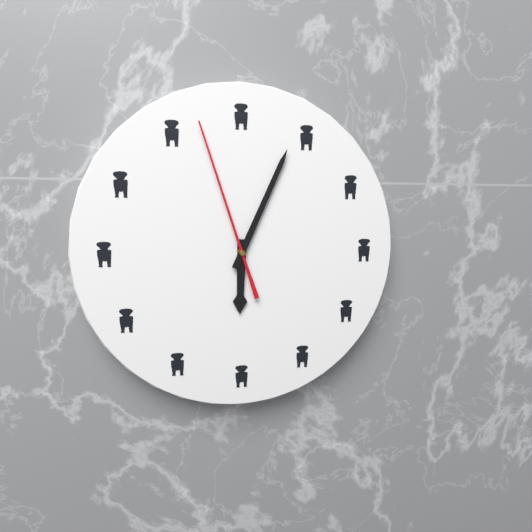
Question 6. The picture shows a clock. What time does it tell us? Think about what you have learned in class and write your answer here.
6:04:57
